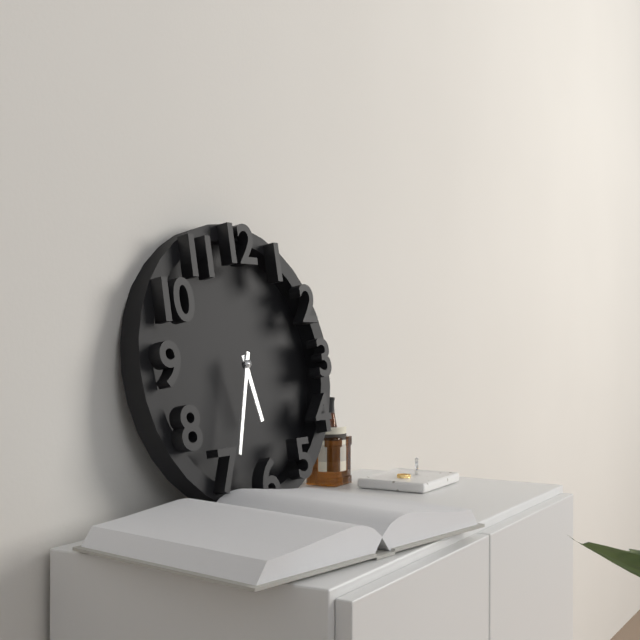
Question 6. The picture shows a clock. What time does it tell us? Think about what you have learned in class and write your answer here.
5:33
